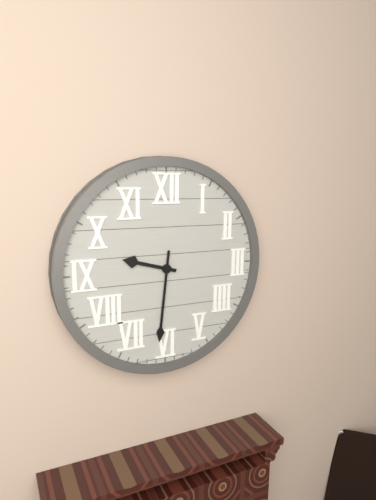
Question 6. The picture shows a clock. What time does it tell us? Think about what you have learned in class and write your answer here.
9:31
